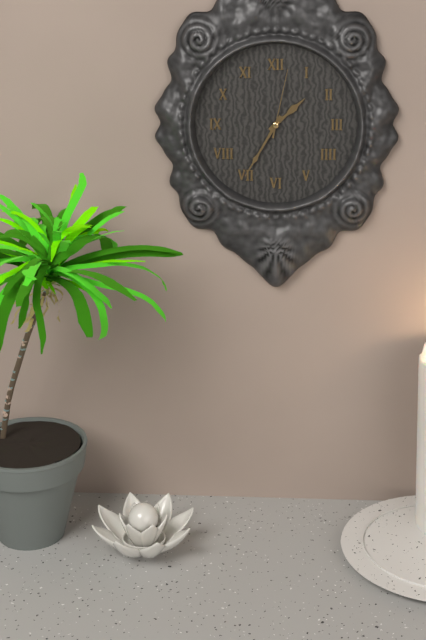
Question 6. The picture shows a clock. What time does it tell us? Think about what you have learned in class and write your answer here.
1:35:02
